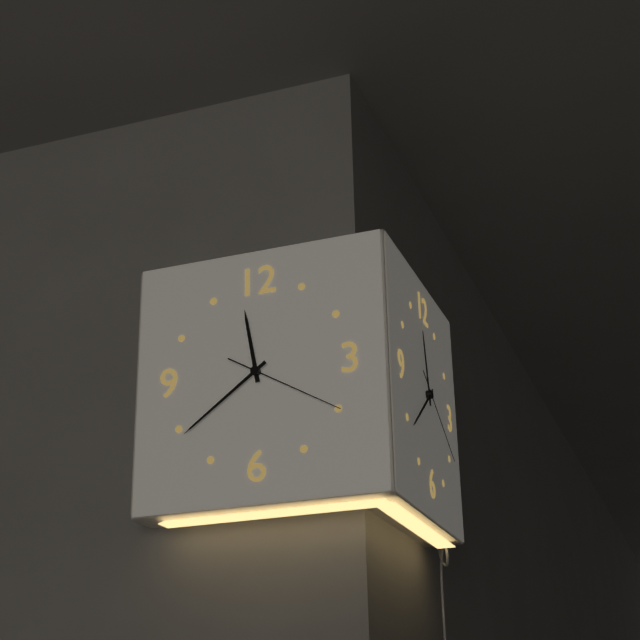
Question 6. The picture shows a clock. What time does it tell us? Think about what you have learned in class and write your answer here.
11:39:20
